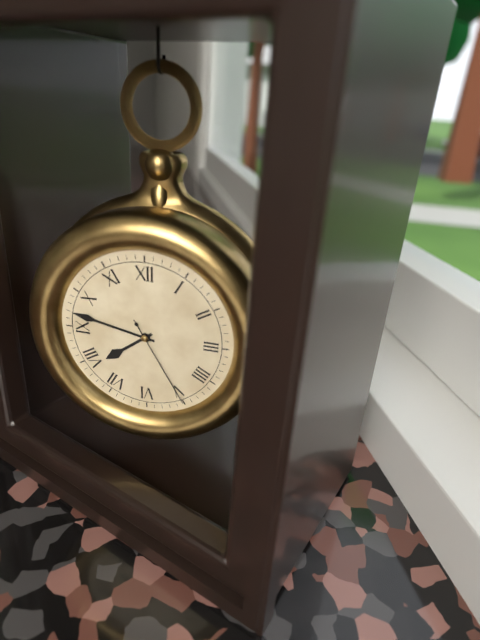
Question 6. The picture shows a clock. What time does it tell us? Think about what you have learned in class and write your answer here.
7:47:25
